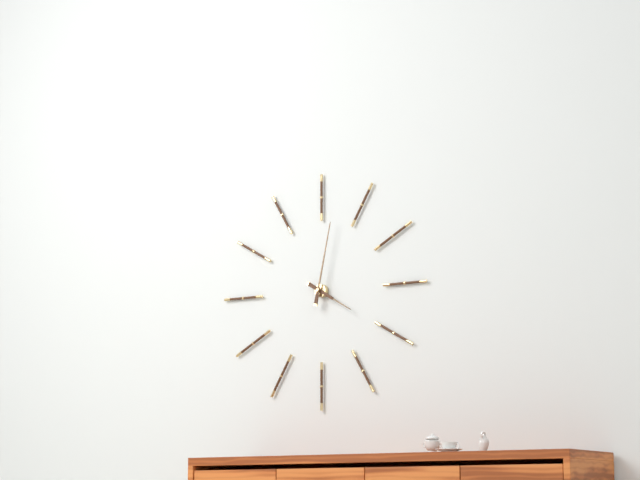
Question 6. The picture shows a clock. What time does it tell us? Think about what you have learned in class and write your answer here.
4:02
